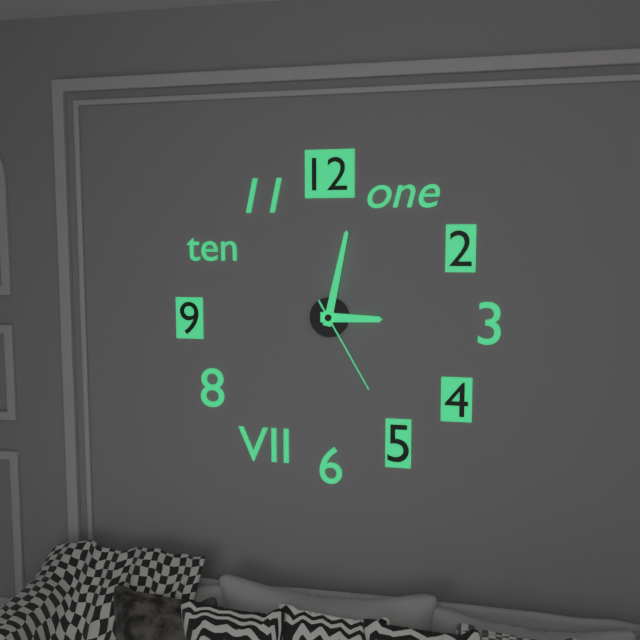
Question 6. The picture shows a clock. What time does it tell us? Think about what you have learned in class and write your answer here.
3:02:25
